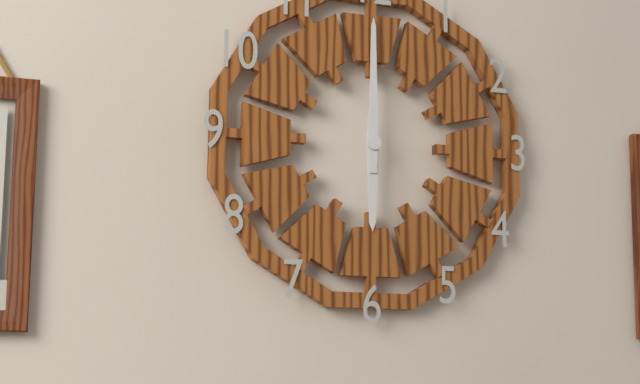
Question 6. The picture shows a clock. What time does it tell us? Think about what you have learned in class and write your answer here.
6:00
